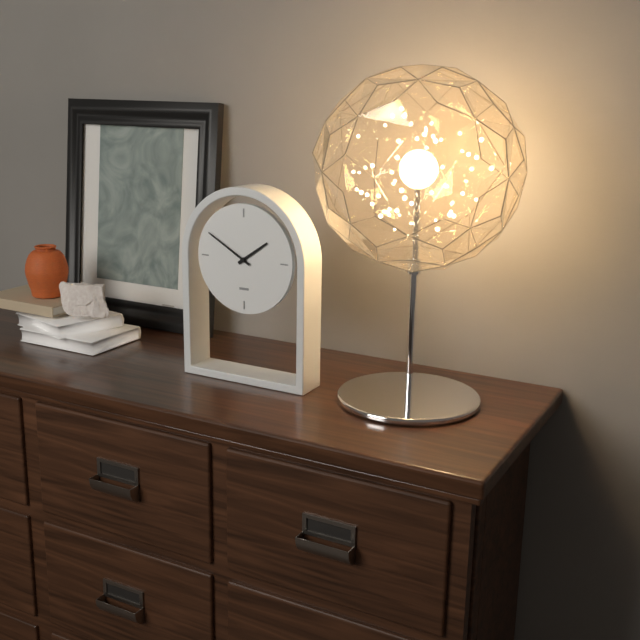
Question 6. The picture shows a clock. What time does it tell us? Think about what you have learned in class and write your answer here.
1:50
